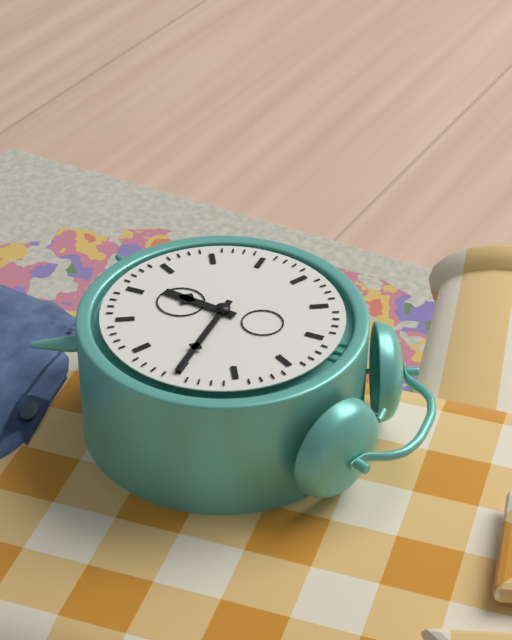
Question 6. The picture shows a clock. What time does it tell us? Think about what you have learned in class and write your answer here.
6:15
